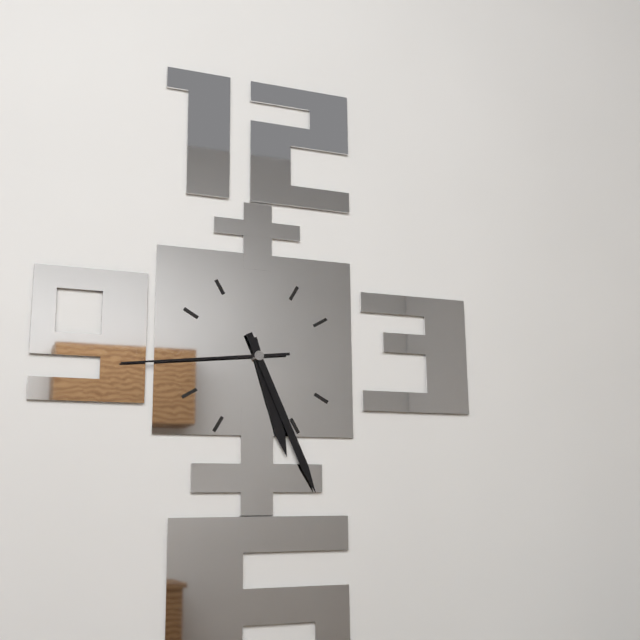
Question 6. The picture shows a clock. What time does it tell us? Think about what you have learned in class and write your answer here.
5:26:44
